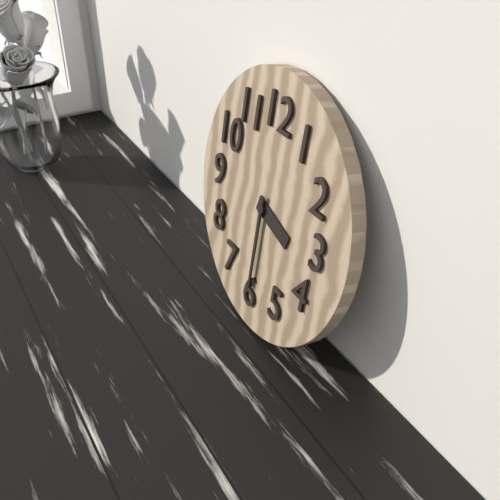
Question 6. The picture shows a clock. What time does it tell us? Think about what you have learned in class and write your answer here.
3:30
